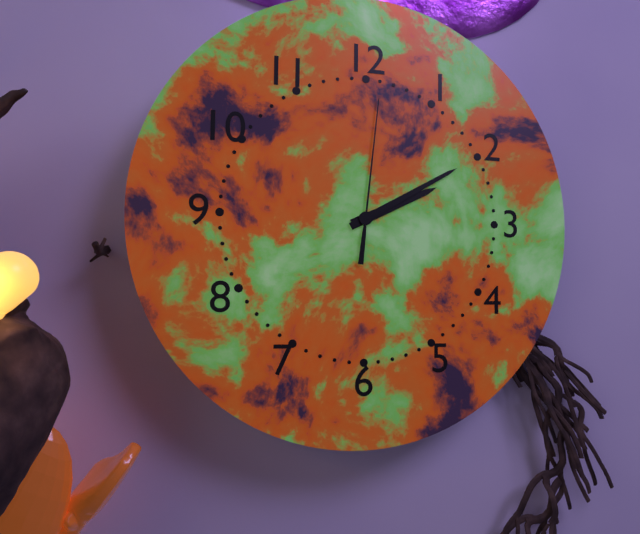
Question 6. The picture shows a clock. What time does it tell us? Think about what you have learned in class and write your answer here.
2:10:01
